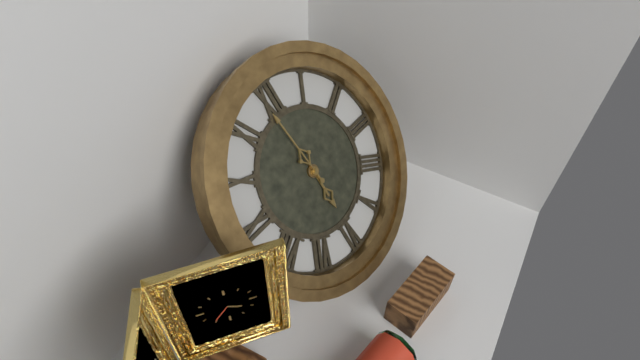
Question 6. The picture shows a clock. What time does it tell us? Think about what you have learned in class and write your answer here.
5:59
